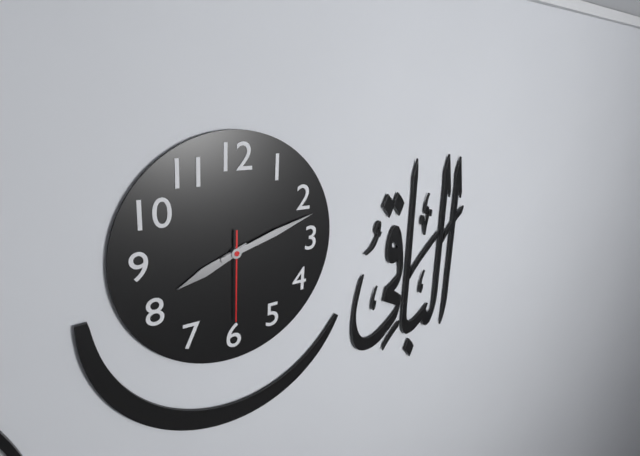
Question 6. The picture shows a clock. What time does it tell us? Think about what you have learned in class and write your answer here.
8:12:30
